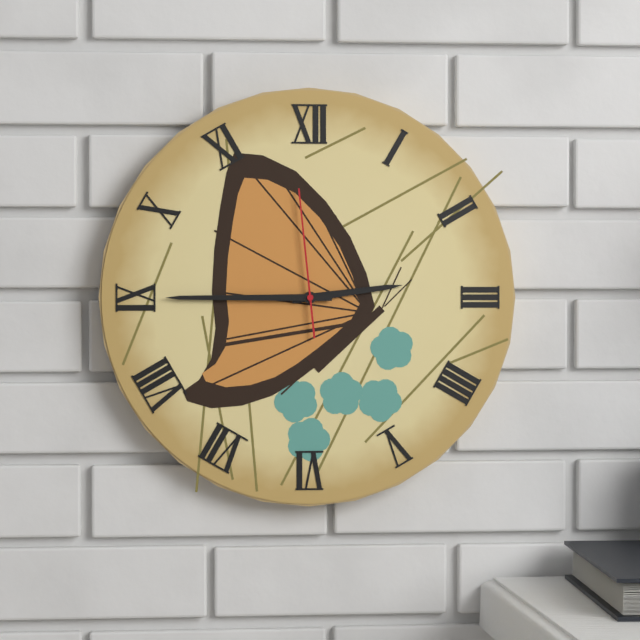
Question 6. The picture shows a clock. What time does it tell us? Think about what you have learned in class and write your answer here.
2:45:59
